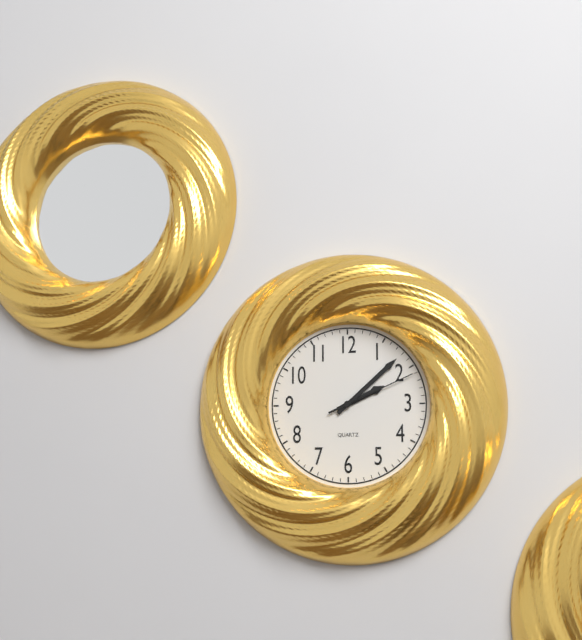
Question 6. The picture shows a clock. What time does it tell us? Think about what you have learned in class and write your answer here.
2:08:11
